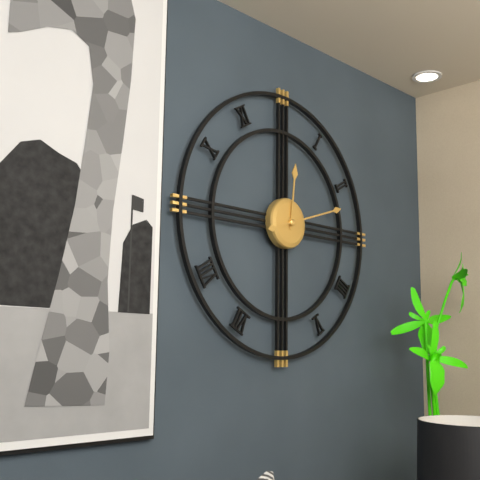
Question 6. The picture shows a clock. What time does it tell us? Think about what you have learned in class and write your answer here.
12:12
